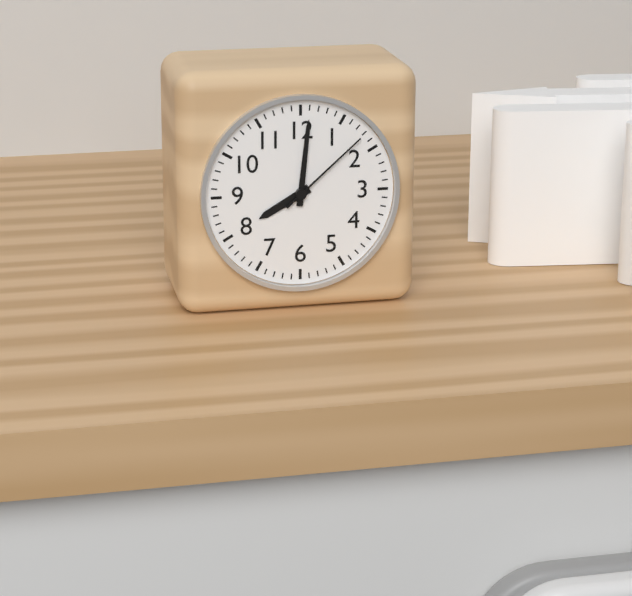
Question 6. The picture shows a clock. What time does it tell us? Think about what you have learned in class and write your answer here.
8:01:08
